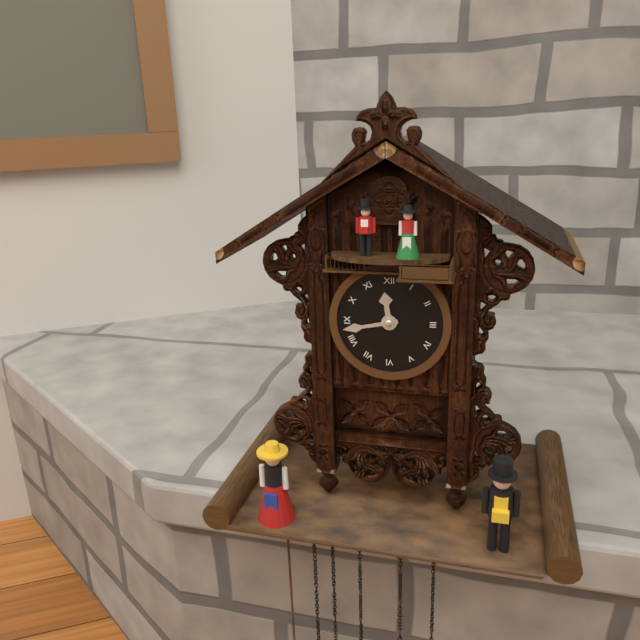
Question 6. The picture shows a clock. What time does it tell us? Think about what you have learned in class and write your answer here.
11:43
